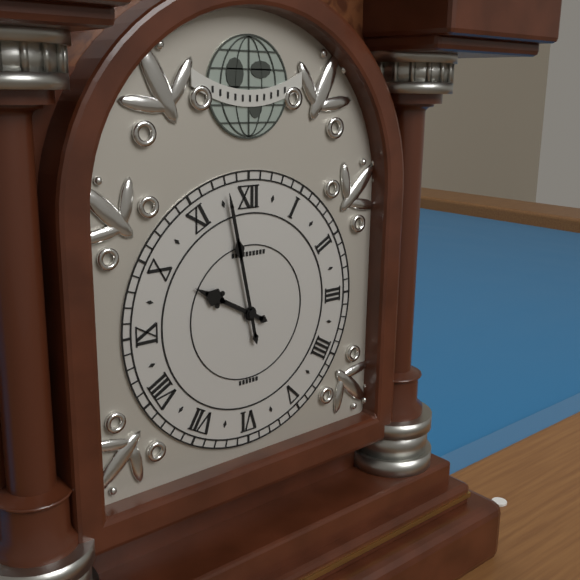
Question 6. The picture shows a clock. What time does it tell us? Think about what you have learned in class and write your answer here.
9:58
